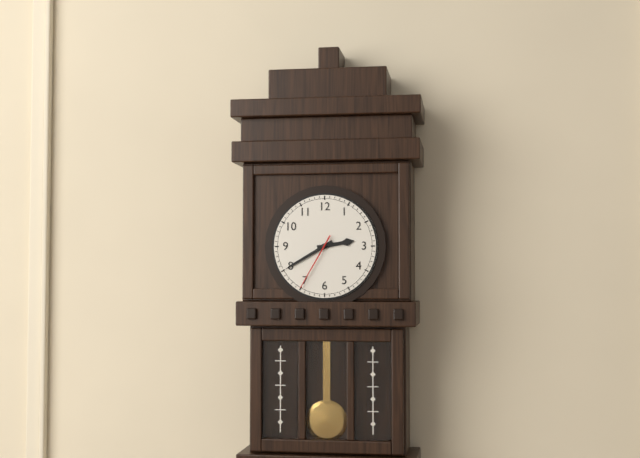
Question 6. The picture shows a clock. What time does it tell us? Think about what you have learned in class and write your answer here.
2:40:35
